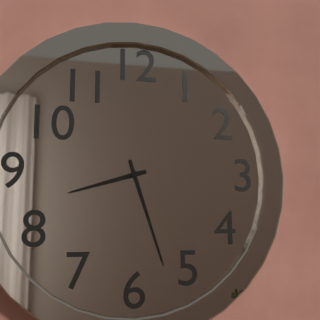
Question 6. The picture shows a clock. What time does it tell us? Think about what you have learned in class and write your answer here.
8:27
